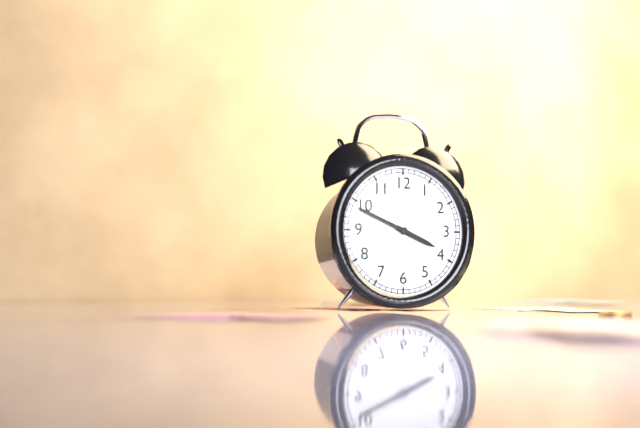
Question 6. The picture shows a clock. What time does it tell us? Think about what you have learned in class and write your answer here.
3:49
